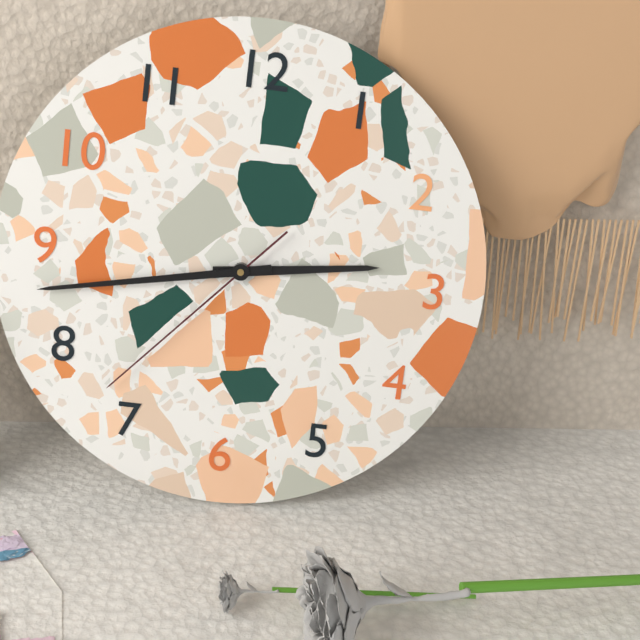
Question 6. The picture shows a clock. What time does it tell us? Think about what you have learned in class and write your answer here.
2:43:37
